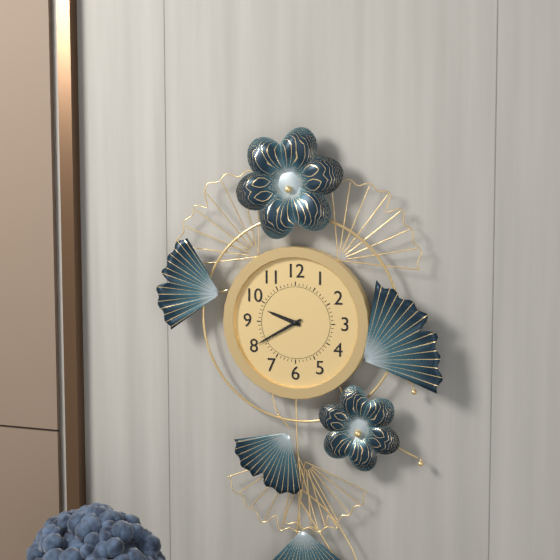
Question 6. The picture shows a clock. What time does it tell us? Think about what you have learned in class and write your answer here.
9:40
